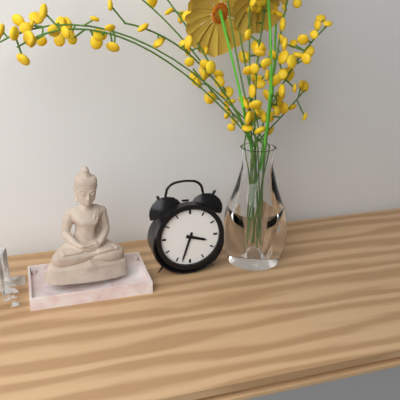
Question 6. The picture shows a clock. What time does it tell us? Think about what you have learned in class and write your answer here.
3:33
